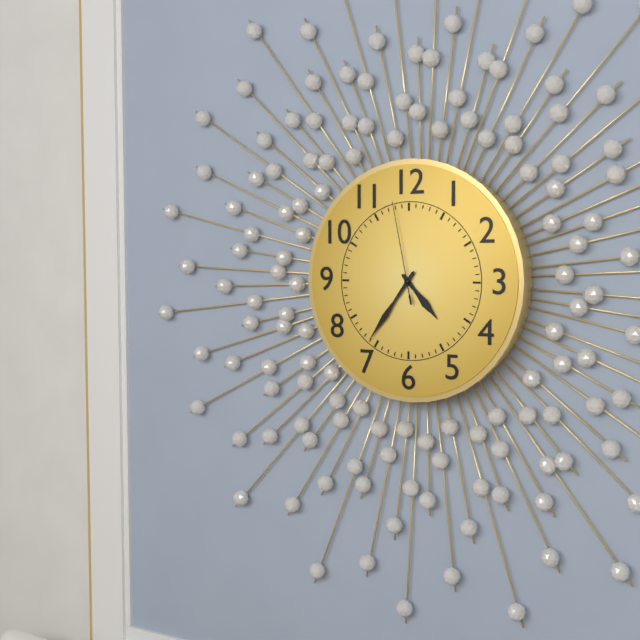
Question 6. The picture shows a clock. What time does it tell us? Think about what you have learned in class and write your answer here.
4:36:58
